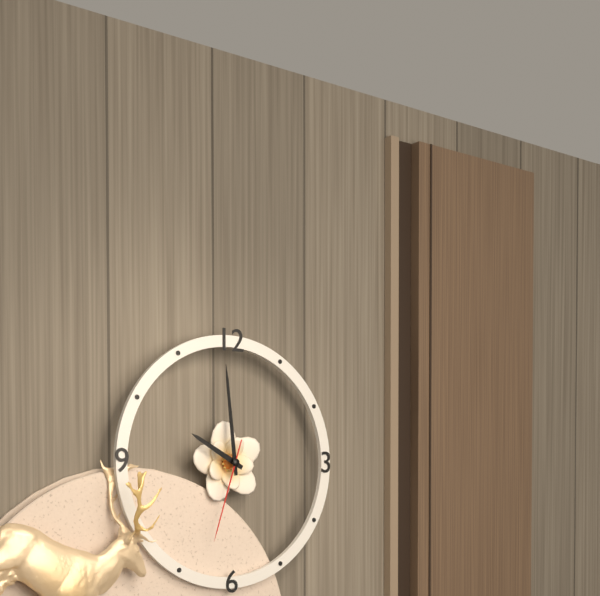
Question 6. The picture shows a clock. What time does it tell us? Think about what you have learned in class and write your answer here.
9:59:33
